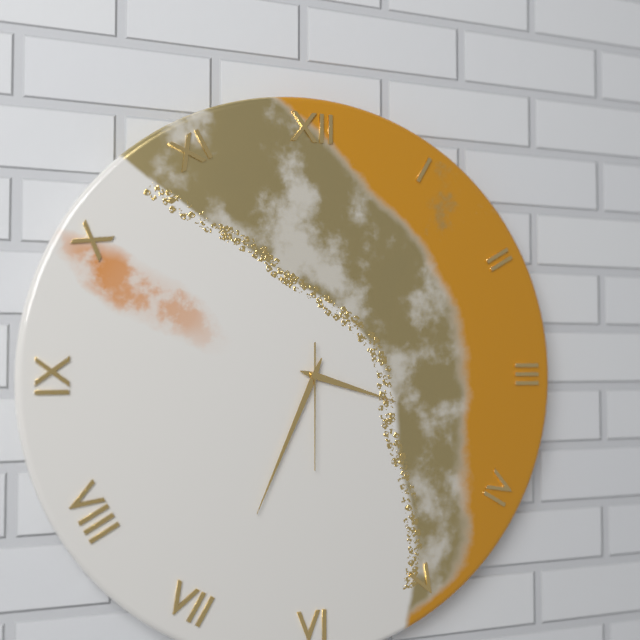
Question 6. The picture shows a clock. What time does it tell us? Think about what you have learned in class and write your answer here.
3:34:30
